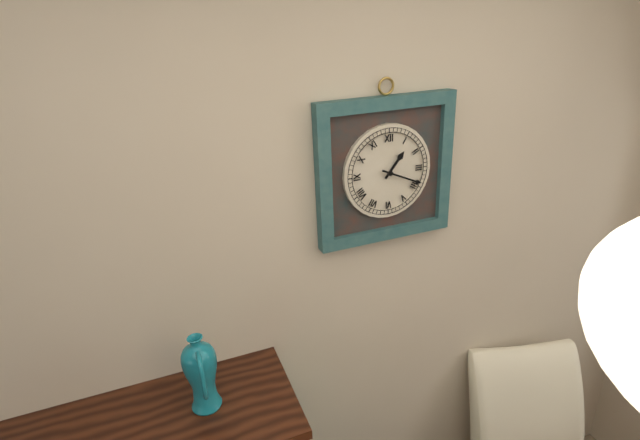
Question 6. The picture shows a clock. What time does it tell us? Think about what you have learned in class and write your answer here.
1:19
